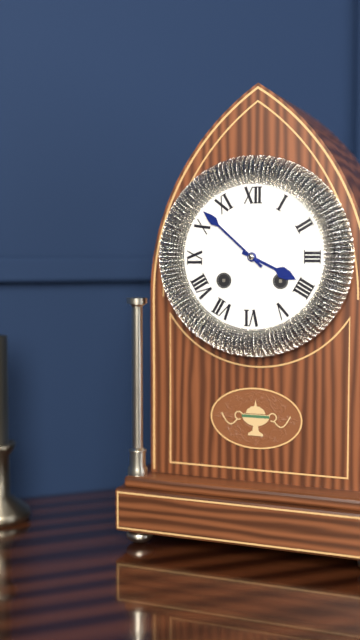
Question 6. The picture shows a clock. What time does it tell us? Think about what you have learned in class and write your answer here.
3:52
